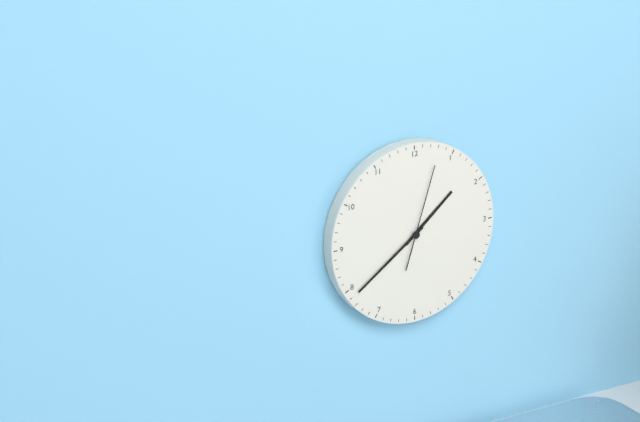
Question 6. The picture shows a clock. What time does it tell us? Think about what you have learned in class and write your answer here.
1:39:03
